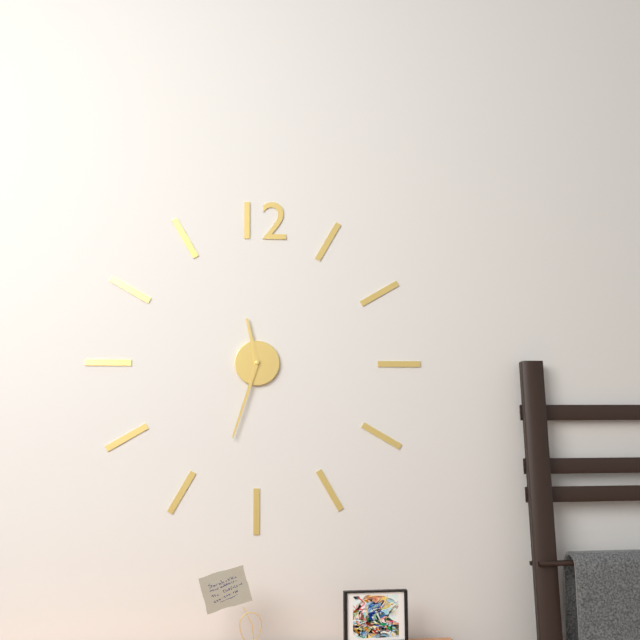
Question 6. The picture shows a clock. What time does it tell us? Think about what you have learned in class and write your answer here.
11:33
